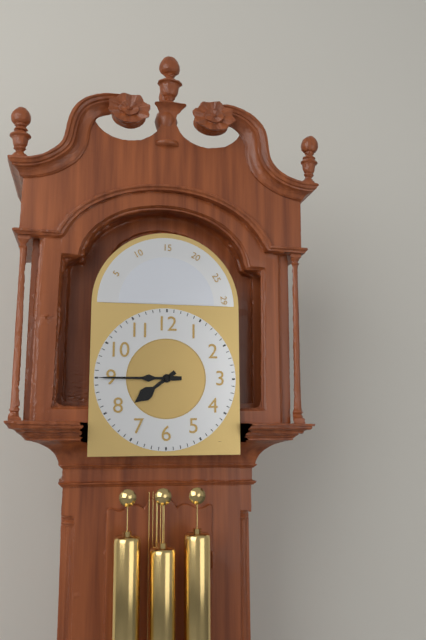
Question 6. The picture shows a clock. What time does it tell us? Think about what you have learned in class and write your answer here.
7:45
